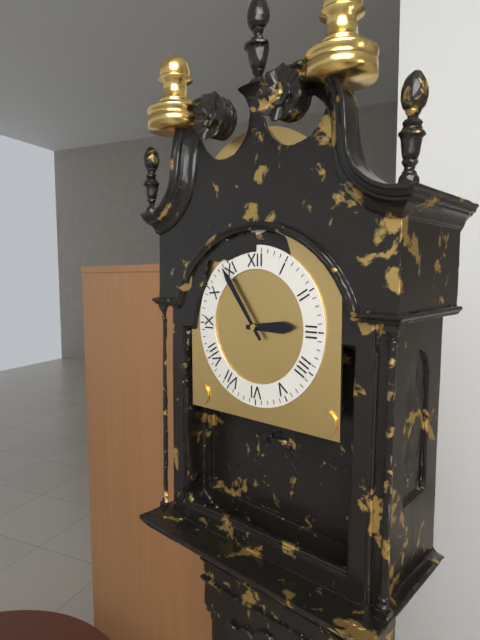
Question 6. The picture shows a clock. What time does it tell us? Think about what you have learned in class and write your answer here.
2:54
